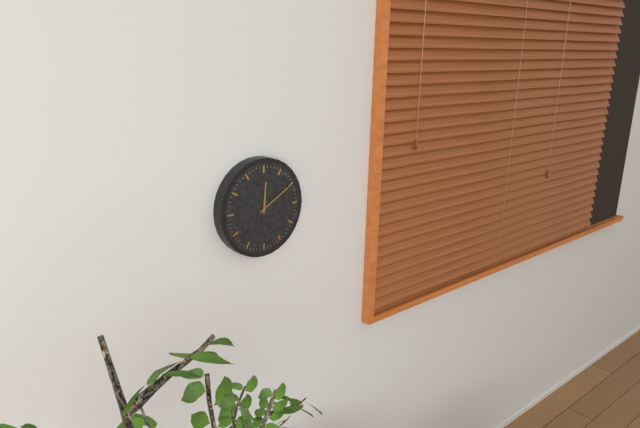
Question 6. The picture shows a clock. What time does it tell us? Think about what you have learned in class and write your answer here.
12:10
